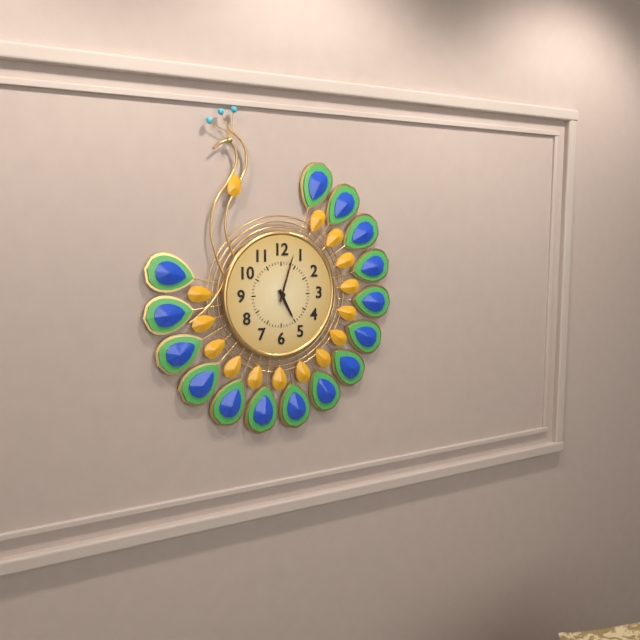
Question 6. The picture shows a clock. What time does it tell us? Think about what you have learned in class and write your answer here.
5:03:03
